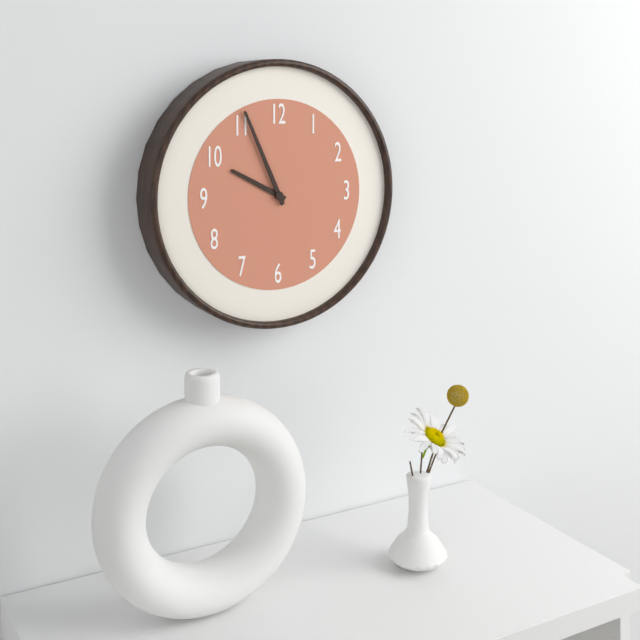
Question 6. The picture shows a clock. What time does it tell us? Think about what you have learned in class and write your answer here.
9:56
